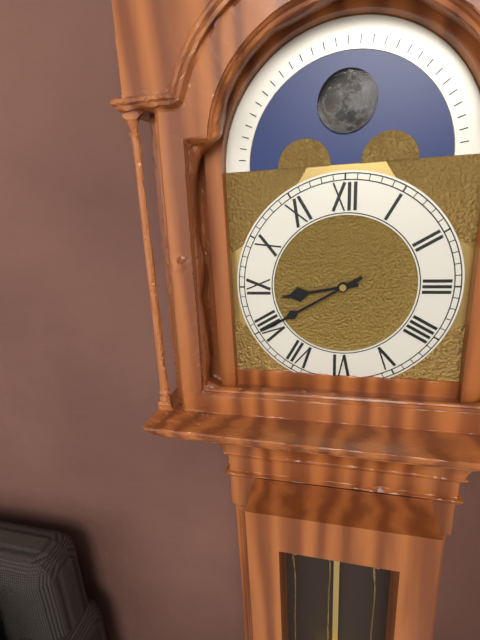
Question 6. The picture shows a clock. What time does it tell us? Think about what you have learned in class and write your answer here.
8:40
